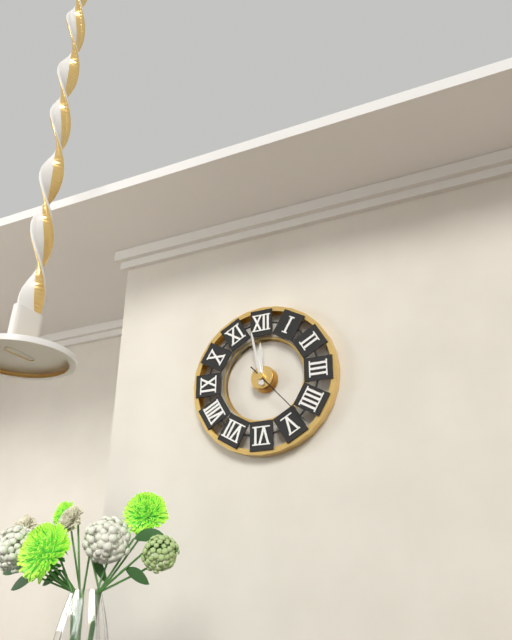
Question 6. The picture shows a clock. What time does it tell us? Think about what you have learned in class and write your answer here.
11:58:23
